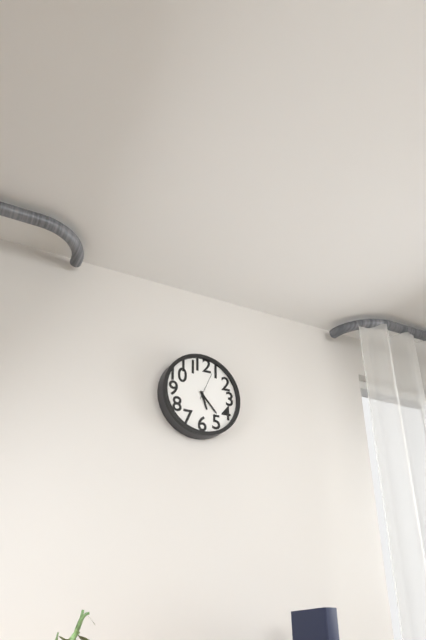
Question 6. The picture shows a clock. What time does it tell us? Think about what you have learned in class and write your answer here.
5:23
